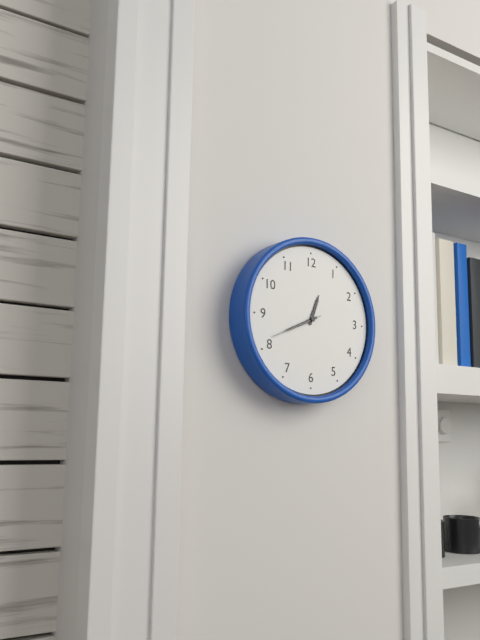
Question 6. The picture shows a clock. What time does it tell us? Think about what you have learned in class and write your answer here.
12:41:41
